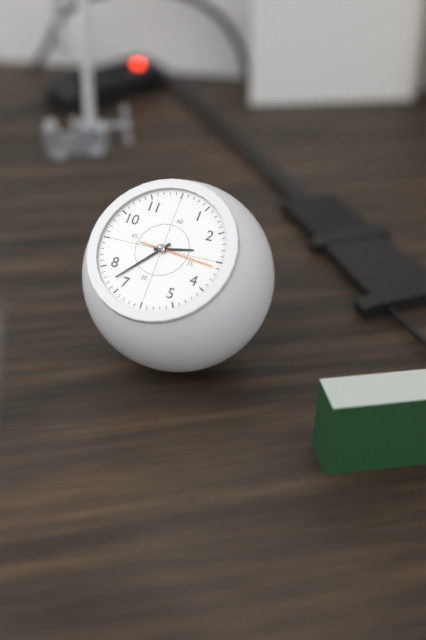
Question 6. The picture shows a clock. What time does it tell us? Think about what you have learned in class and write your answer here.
2:37:16
